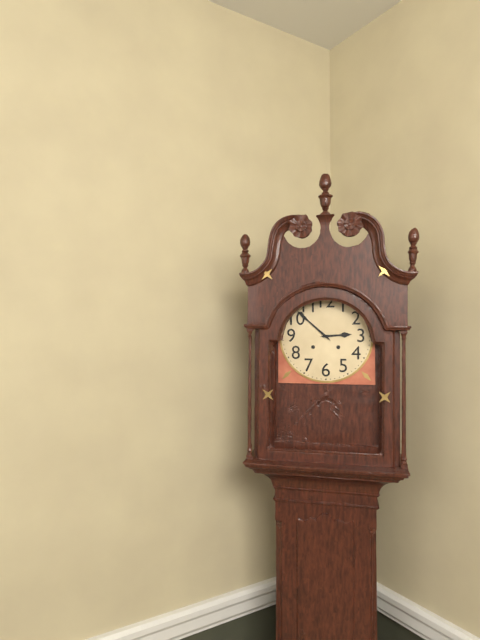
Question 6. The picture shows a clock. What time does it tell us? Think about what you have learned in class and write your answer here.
2:52
